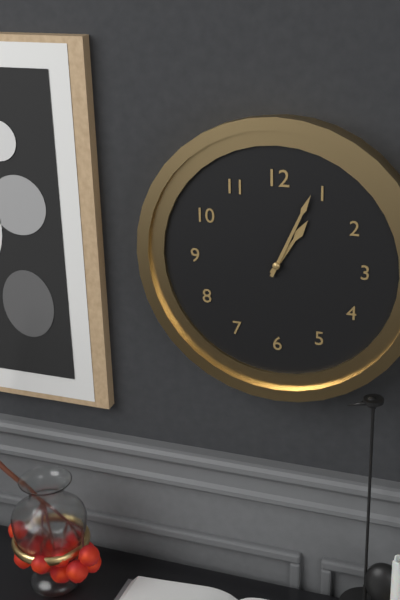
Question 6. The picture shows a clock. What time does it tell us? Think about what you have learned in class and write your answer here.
1:04
